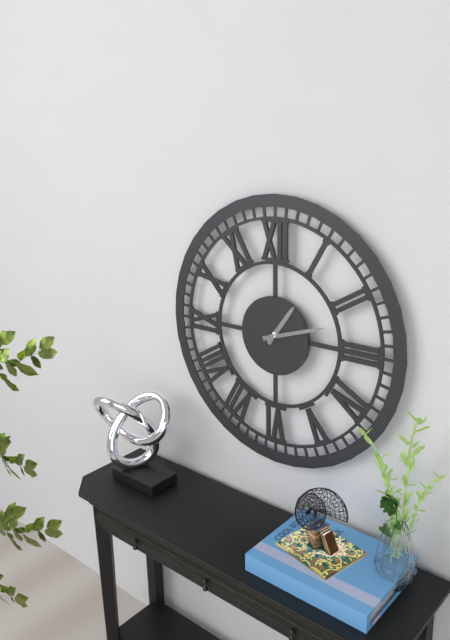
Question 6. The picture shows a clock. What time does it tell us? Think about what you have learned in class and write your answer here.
1:12
